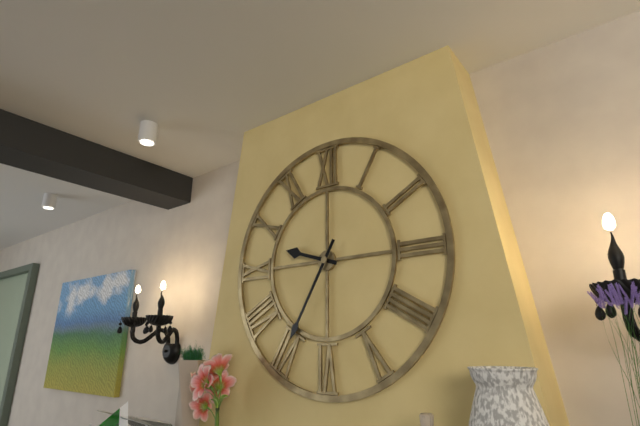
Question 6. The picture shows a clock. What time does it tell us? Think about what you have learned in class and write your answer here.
9:35
